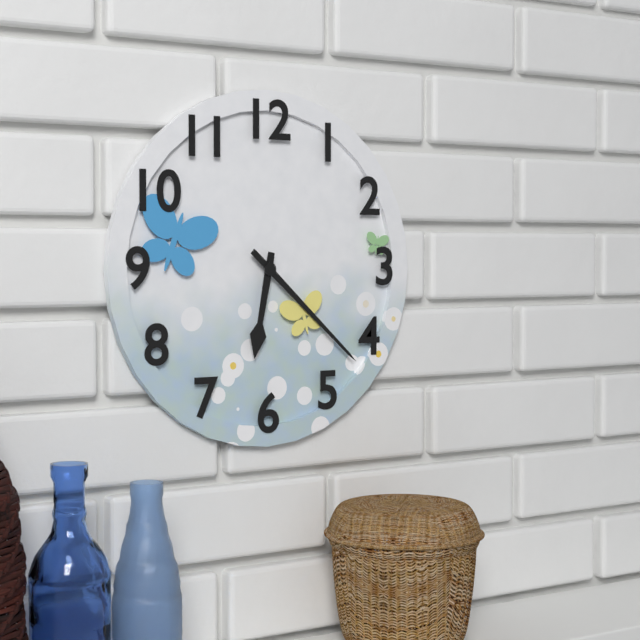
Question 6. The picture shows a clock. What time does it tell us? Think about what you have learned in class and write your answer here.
6:22
